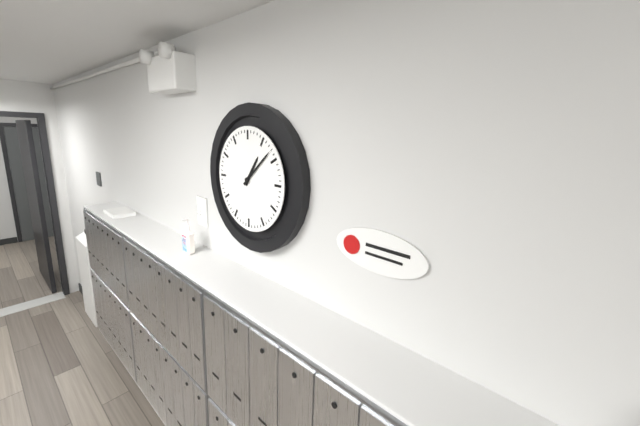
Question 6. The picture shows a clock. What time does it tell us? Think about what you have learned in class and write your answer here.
1:08
